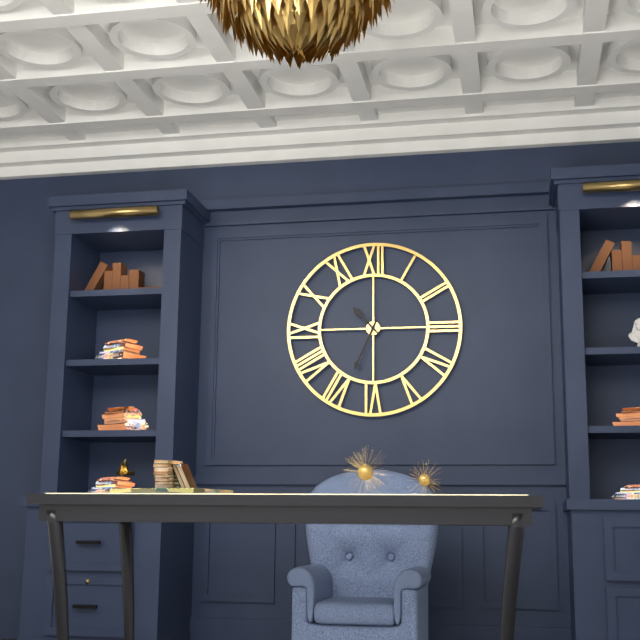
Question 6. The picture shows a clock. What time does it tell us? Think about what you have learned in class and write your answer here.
10:34
